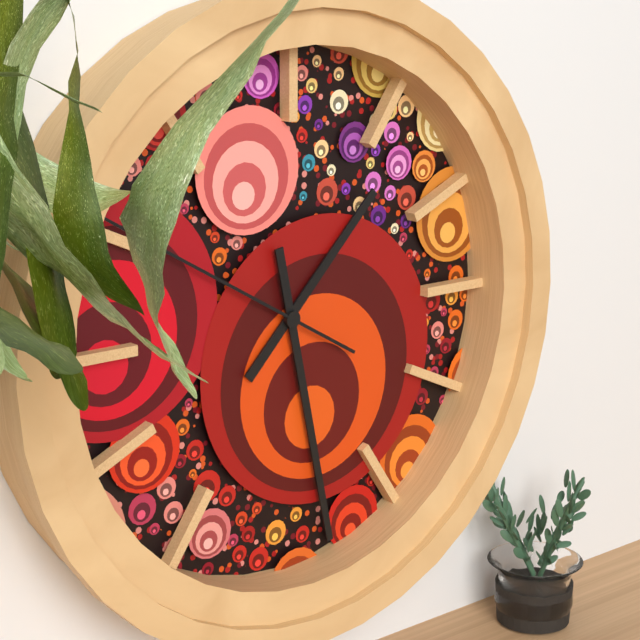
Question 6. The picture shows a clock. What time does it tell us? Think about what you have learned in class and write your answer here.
1:28:50
